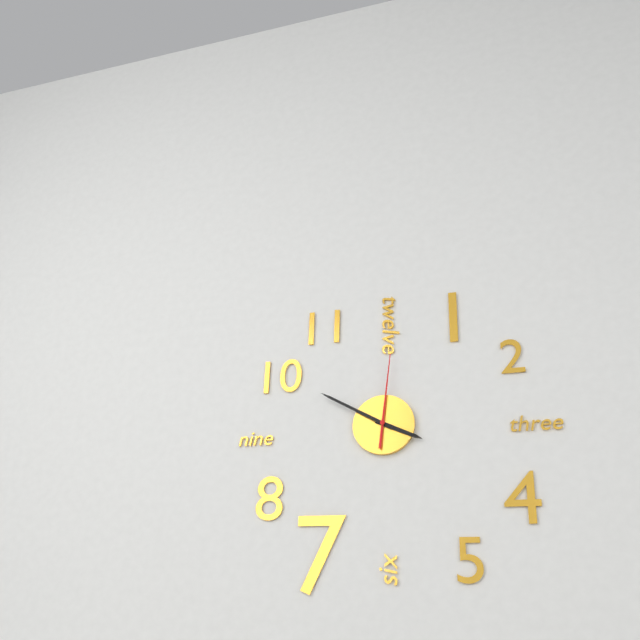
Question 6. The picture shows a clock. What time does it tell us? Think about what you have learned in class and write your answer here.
3:50:01
